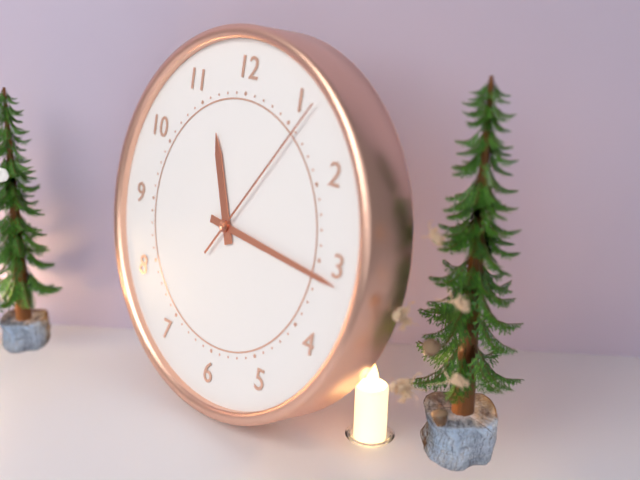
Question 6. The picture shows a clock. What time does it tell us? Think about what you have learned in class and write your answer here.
11:16:06
